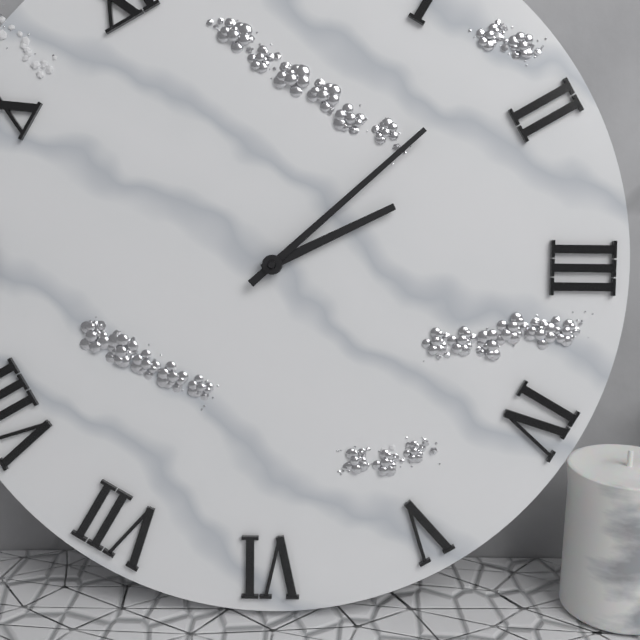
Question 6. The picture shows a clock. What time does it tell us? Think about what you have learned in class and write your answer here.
2:08
